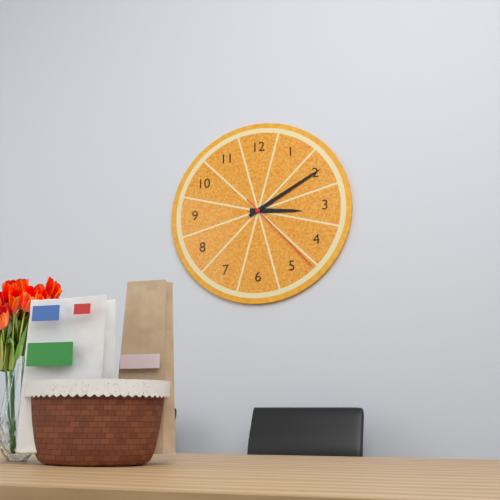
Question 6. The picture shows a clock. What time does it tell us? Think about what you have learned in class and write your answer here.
3:10:23
